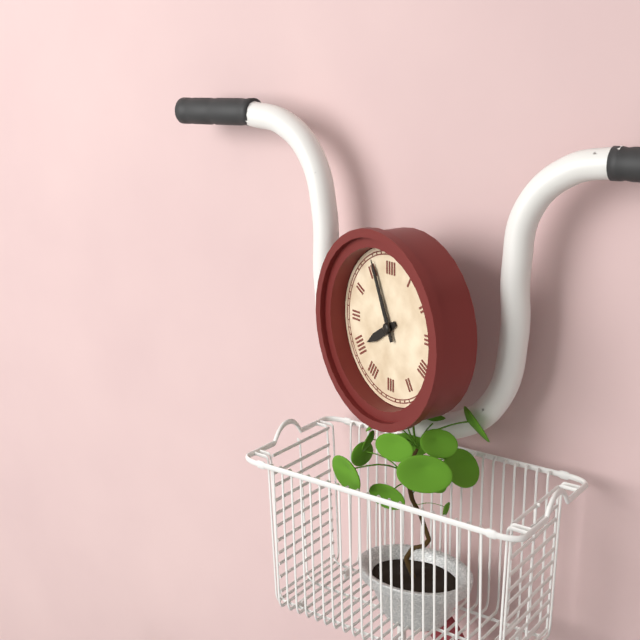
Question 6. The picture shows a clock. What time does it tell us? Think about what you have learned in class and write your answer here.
7:56
